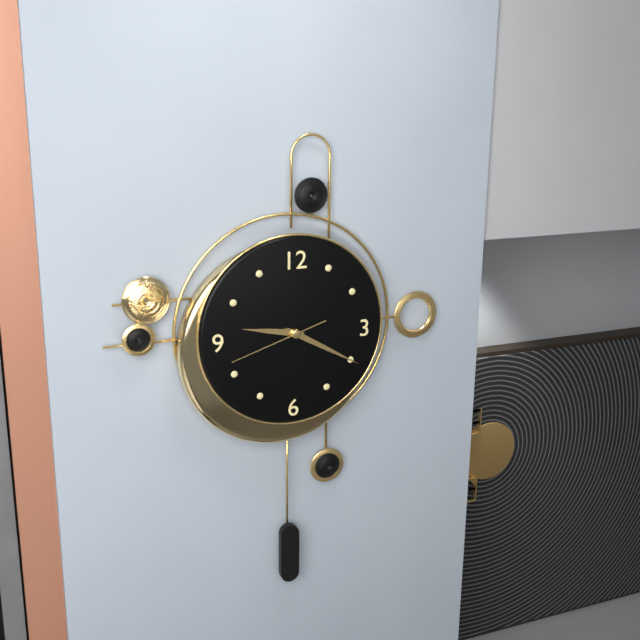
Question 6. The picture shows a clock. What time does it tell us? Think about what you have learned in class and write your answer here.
9:20:42
